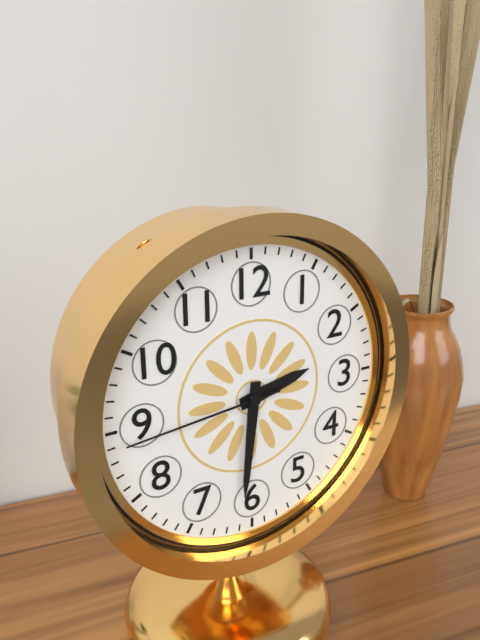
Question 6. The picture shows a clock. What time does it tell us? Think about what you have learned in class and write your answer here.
2:31:44
